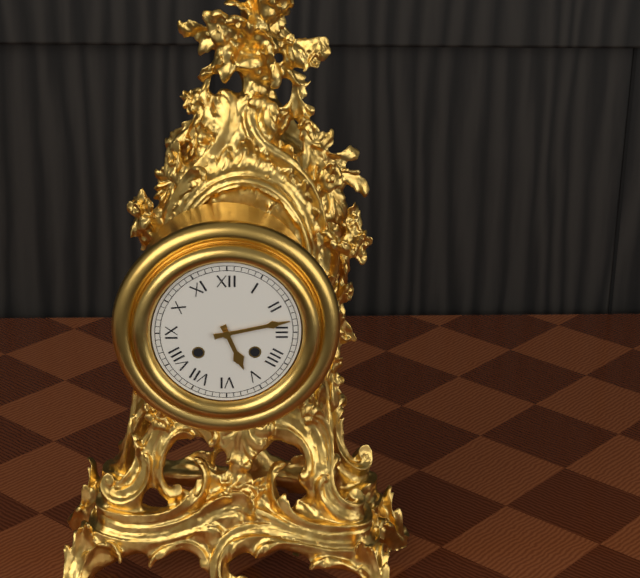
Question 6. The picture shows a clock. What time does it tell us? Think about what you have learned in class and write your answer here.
5:13
